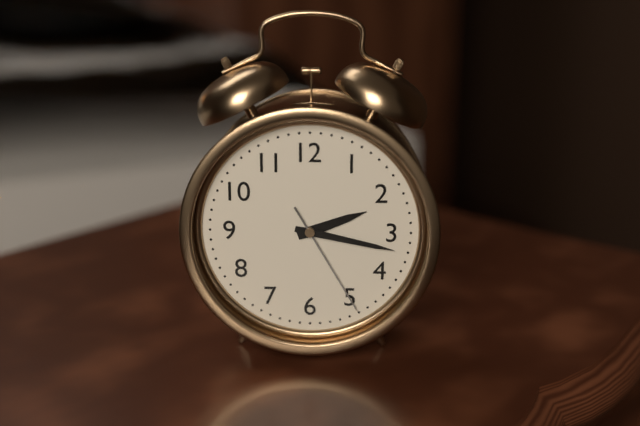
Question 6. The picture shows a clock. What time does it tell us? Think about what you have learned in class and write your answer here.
2:17:25
